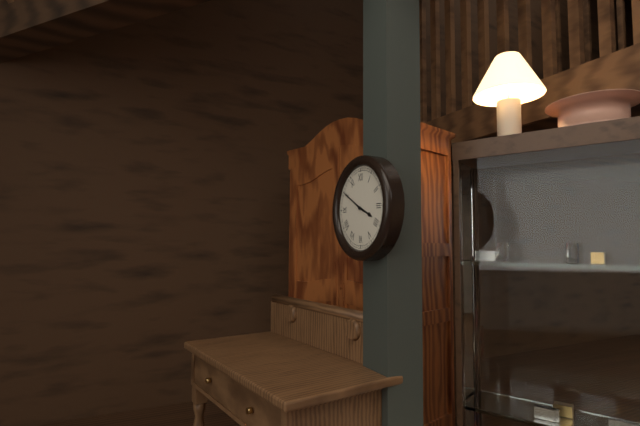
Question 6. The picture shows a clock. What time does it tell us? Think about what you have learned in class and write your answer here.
3:50
